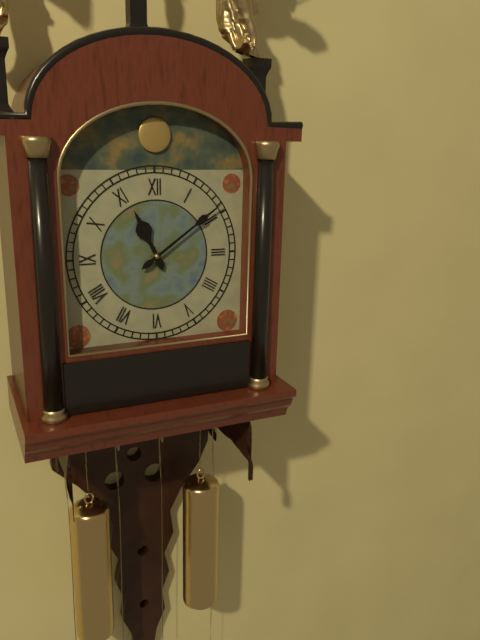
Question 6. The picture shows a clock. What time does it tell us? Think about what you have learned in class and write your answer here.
11:09
